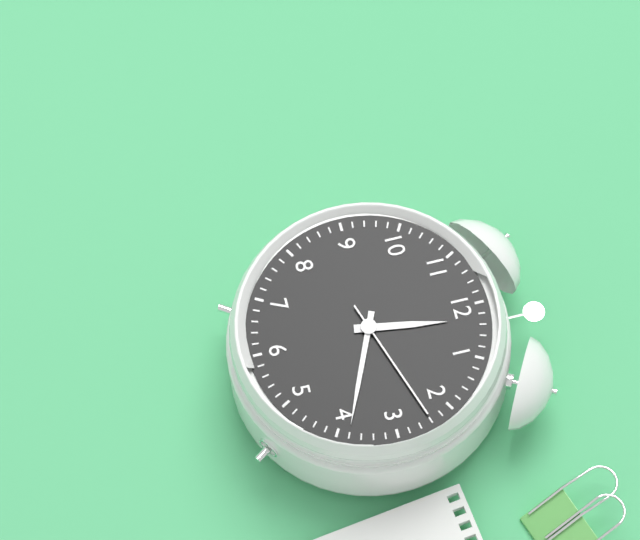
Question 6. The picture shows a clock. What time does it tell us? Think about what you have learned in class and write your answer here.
12:19:12
